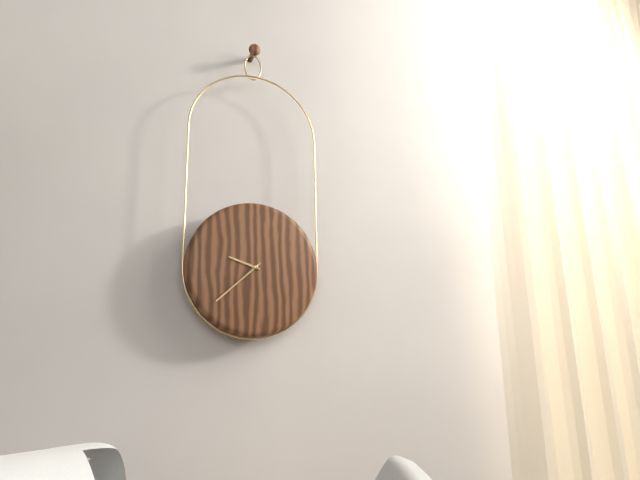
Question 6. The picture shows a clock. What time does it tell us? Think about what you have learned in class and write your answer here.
9:38
